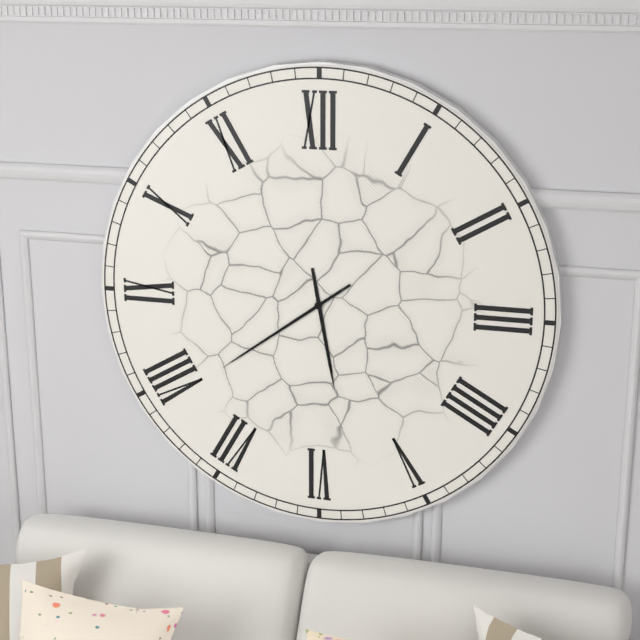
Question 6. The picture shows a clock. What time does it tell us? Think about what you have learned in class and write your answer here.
5:39
